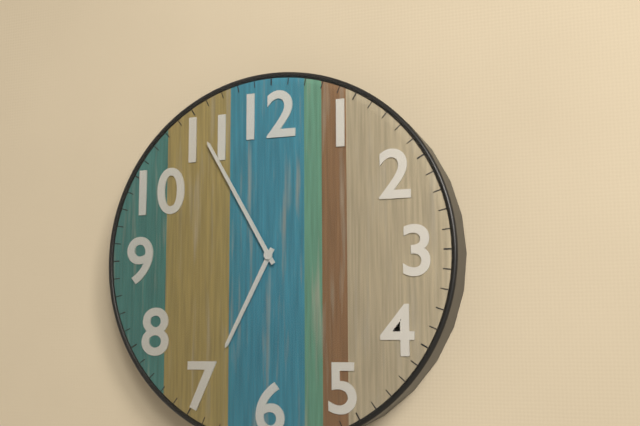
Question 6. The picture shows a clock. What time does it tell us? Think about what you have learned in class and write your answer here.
6:55
